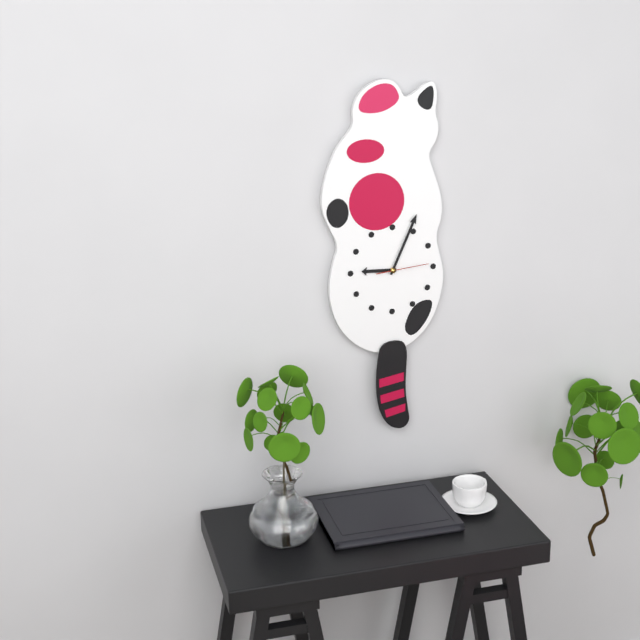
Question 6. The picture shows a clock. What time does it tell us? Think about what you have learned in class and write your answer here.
9:04:14
